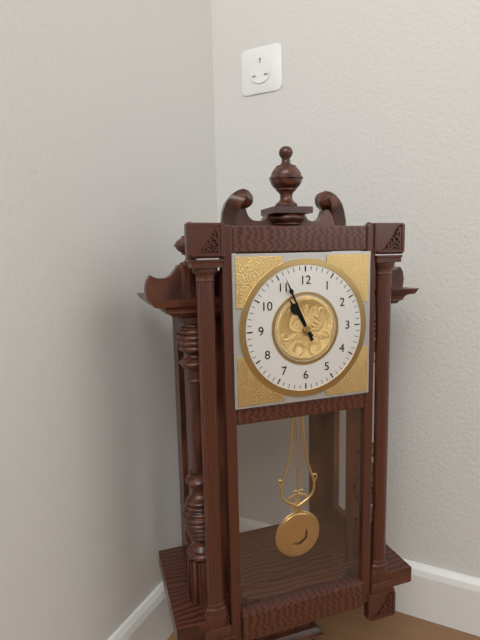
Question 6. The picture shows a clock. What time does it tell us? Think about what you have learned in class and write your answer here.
10:56
